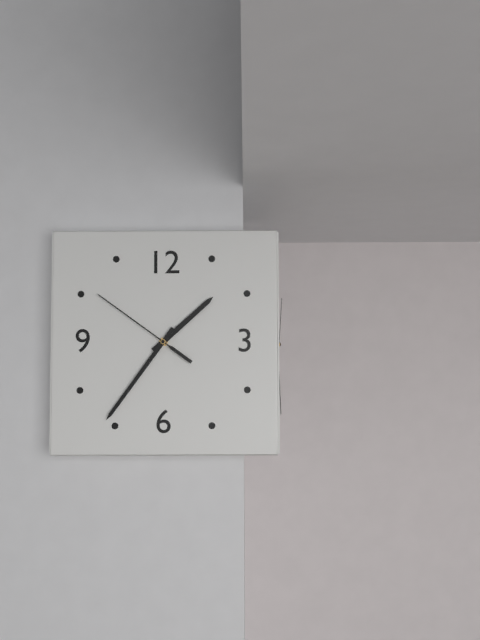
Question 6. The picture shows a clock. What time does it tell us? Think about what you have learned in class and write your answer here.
1:36:51
